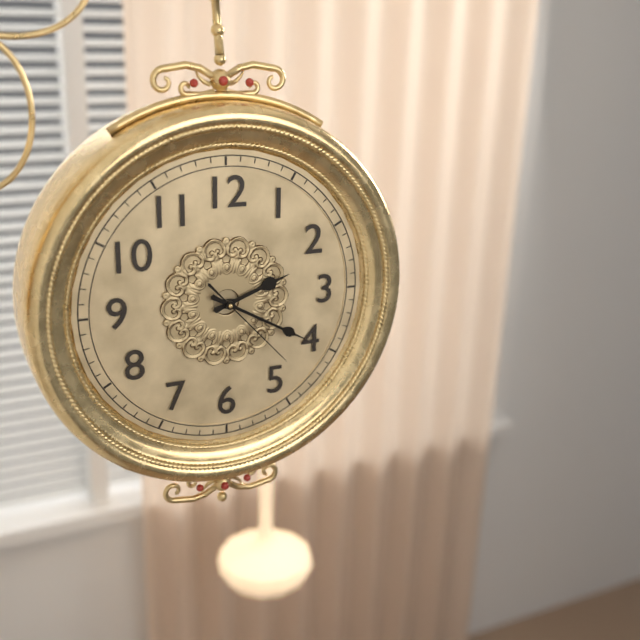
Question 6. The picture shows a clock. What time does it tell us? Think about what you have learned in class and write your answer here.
2:20:23
